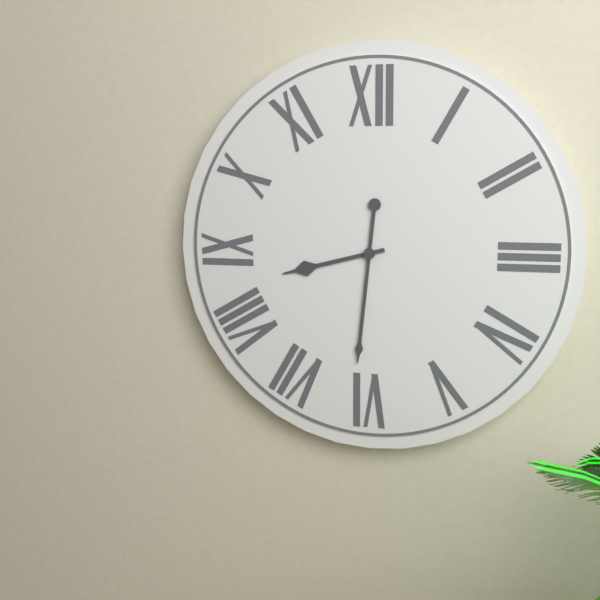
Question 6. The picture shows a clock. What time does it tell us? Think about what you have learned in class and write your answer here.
8:31
